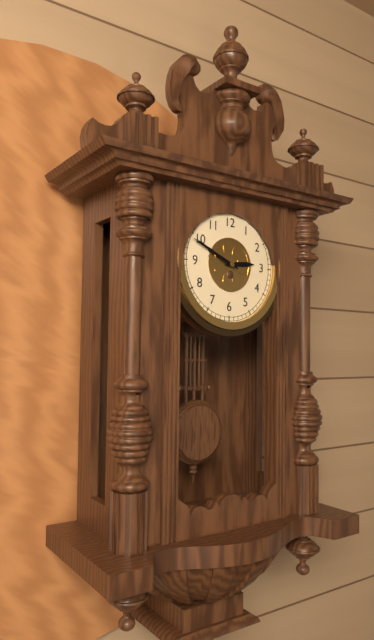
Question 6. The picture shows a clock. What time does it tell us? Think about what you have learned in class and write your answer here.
2:49
